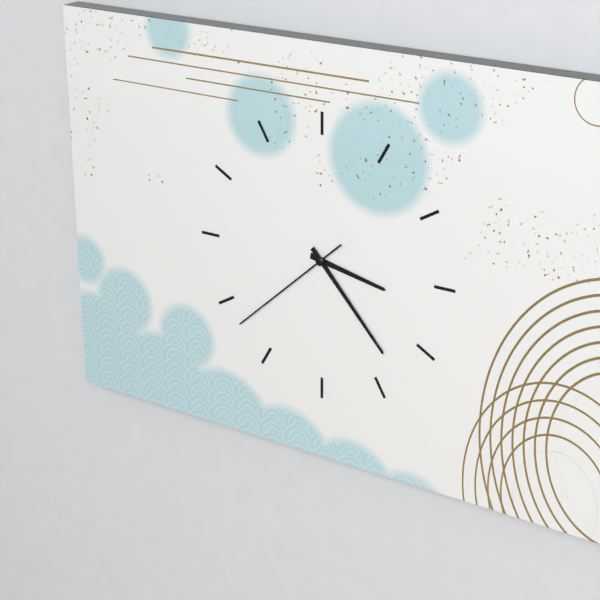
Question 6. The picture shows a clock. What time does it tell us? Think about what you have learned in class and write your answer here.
3:23:38
